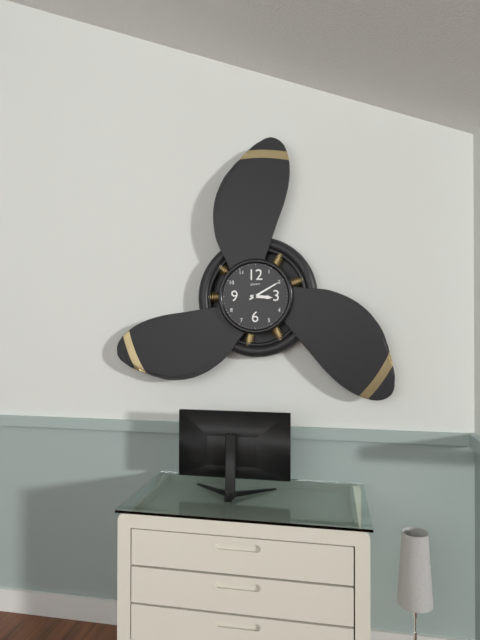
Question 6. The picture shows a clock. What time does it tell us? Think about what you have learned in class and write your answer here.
3:10
